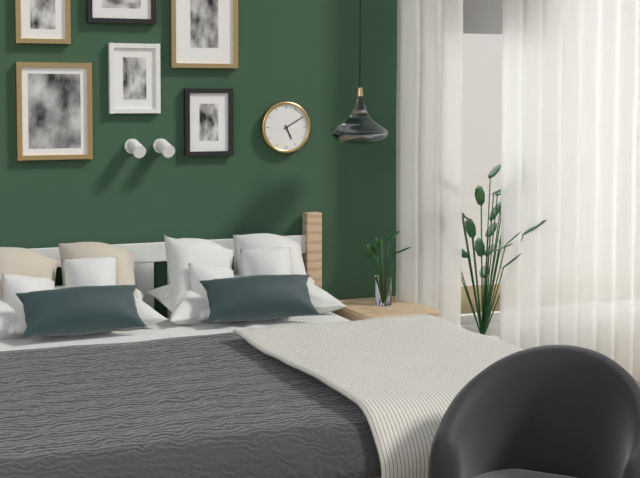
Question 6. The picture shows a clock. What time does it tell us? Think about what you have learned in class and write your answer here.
5:10
